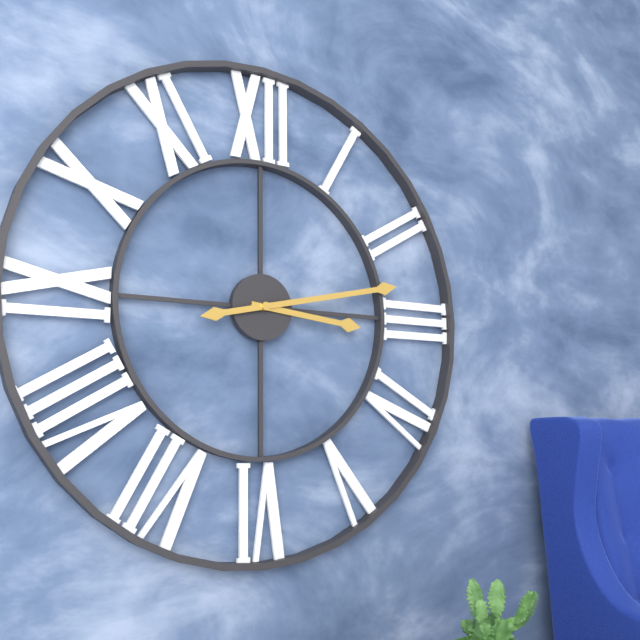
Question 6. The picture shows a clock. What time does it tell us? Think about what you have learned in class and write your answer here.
3:13
